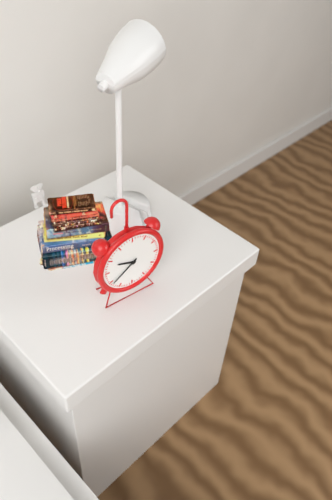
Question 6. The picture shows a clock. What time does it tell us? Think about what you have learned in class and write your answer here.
9:39
